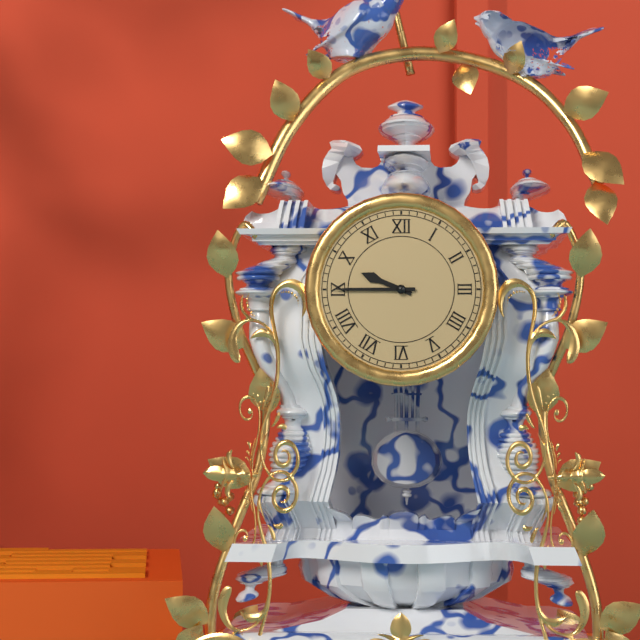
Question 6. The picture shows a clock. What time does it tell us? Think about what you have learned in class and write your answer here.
9:45
